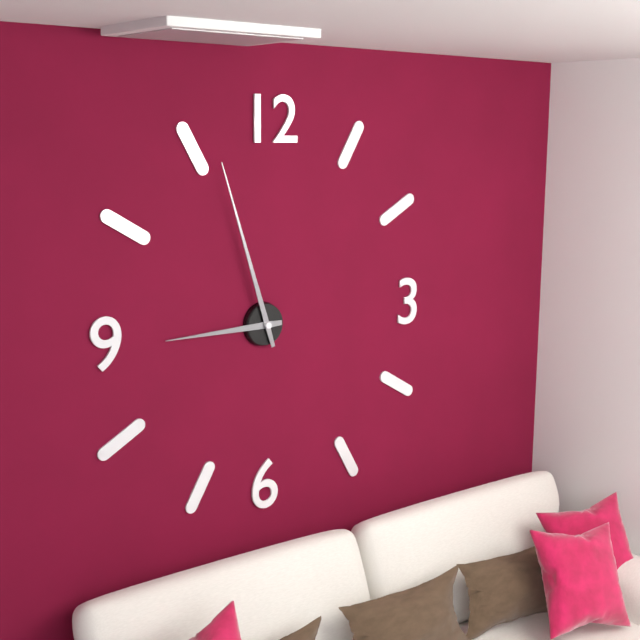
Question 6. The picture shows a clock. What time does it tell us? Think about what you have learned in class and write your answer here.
8:57
